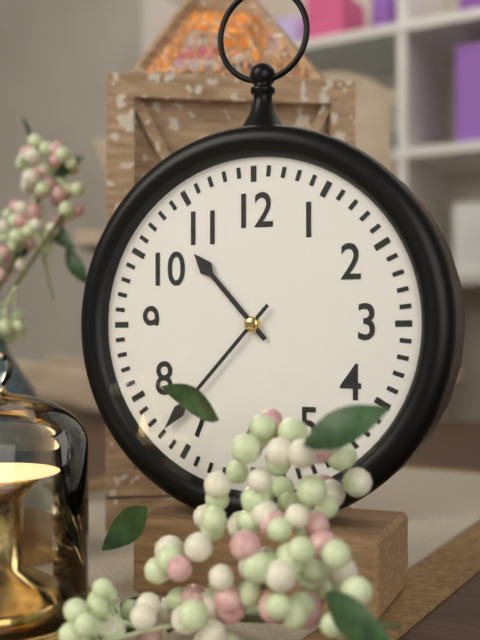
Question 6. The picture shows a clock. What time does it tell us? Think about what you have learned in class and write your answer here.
10:37
